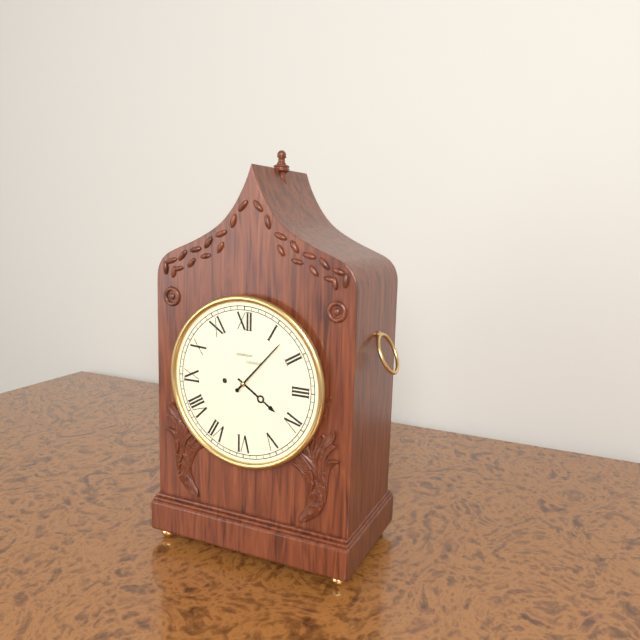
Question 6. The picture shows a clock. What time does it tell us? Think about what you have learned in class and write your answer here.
4:07
